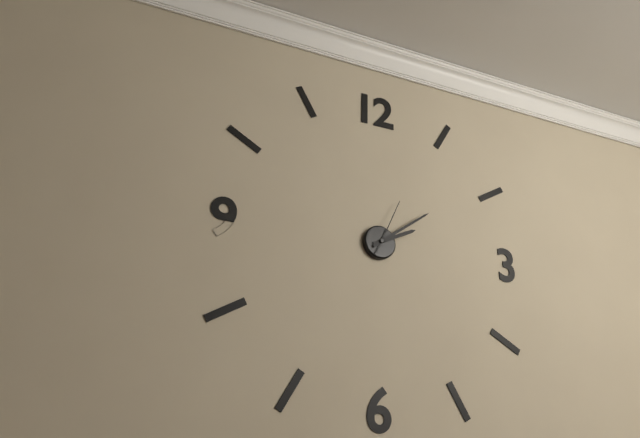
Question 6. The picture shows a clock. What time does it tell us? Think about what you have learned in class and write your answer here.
2:09:04
